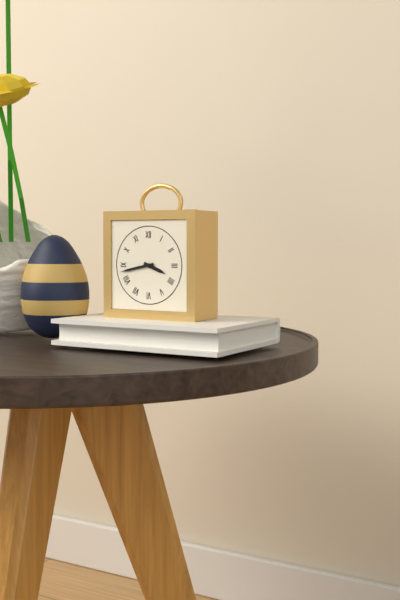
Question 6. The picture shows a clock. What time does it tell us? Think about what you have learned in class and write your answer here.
3:43
